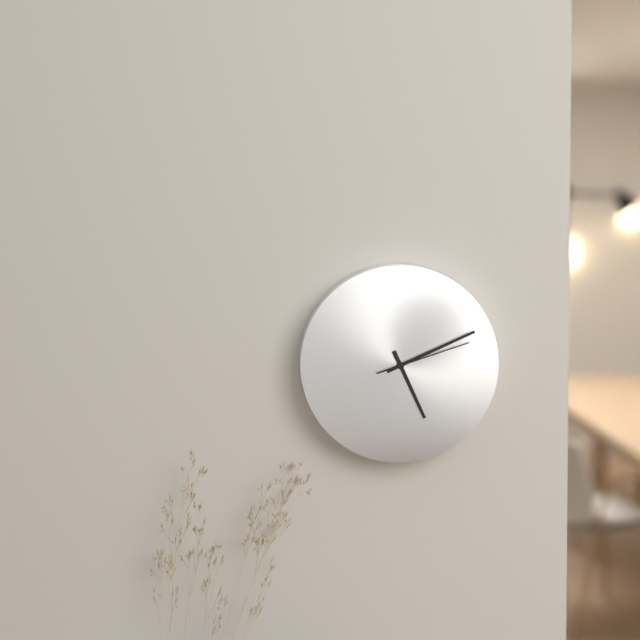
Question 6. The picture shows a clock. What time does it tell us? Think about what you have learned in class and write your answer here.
5:11:12
